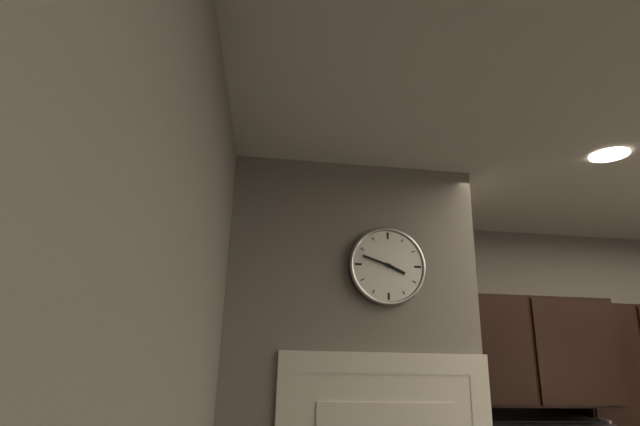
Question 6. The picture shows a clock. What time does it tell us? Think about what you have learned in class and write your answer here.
3:48
